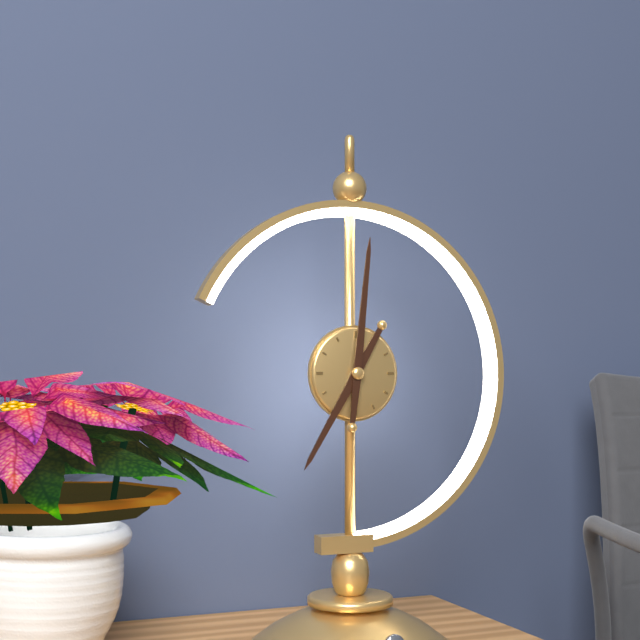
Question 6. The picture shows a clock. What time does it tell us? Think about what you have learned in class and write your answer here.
7:01
